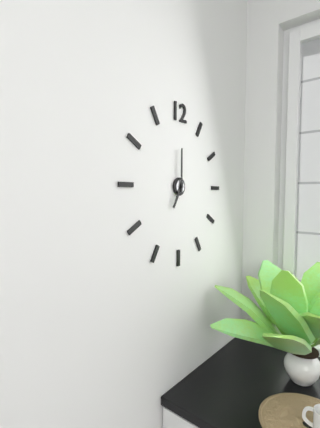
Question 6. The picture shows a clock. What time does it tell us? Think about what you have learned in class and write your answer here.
7:00
